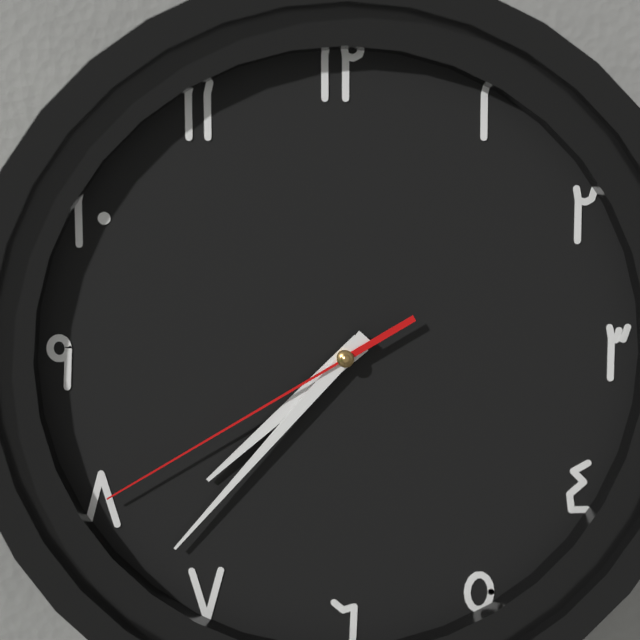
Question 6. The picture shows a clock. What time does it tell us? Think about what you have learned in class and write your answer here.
7:37:40
